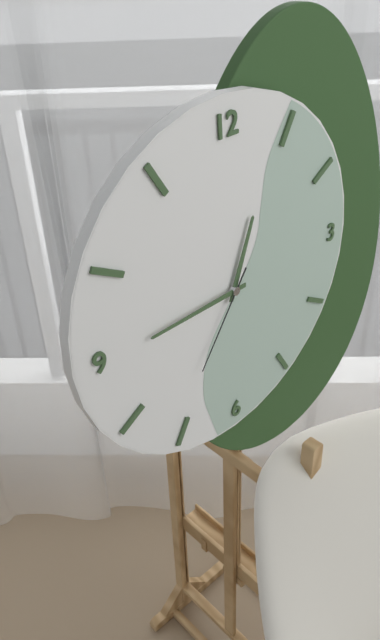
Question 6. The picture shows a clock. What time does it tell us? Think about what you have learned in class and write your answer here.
12:45:36
